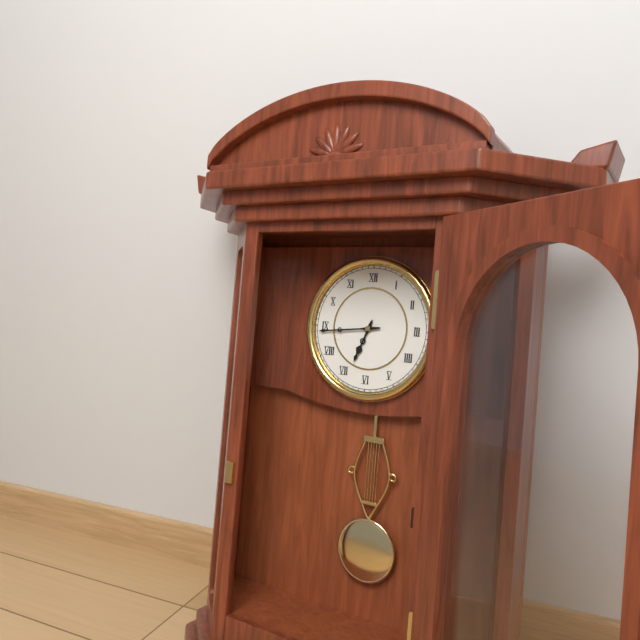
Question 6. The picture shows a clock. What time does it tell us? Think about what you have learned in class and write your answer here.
6:44
